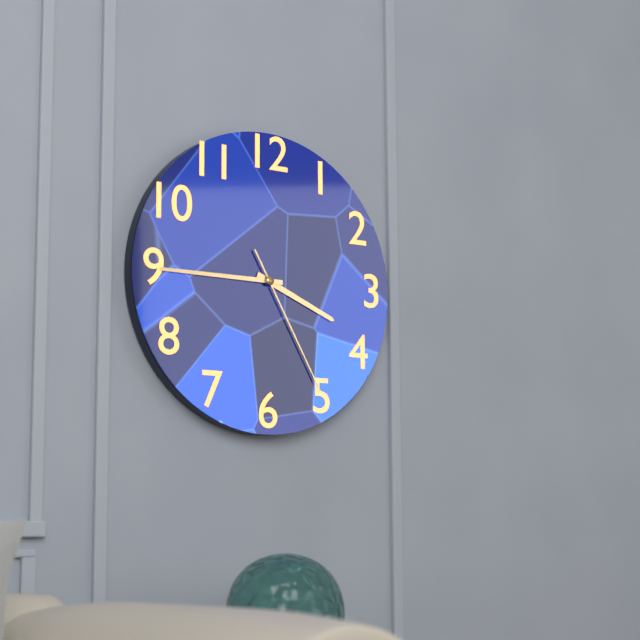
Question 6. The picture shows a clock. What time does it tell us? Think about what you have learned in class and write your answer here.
3:45:25
